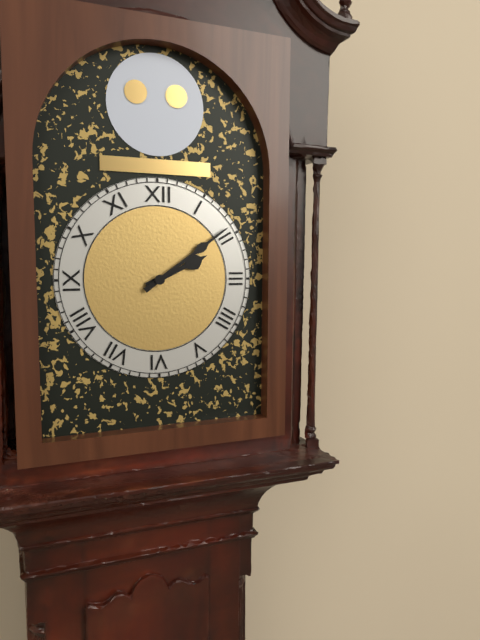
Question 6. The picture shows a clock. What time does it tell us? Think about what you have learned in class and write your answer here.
2:09
